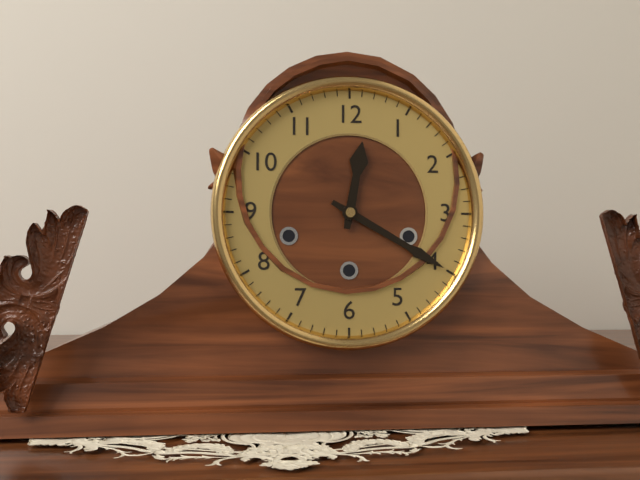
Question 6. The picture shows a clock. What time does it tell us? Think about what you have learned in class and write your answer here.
12:20
